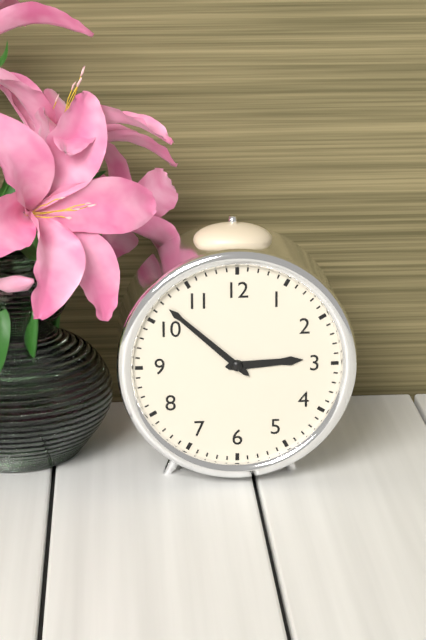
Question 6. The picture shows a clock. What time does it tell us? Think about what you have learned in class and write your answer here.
2:52
